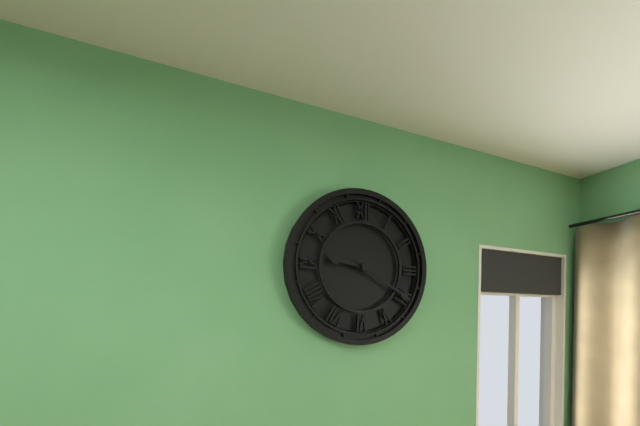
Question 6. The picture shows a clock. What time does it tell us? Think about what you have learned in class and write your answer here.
9:20
